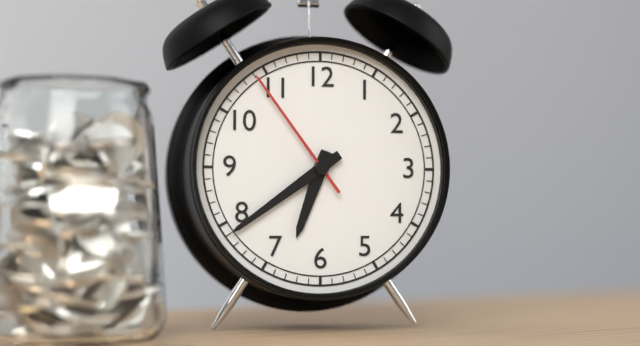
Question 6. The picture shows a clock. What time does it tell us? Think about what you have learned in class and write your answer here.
6:39:54
